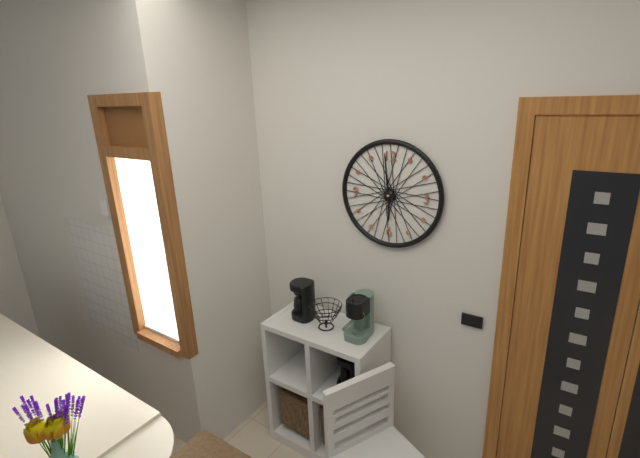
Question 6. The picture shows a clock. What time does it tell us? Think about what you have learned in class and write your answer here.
5:59
